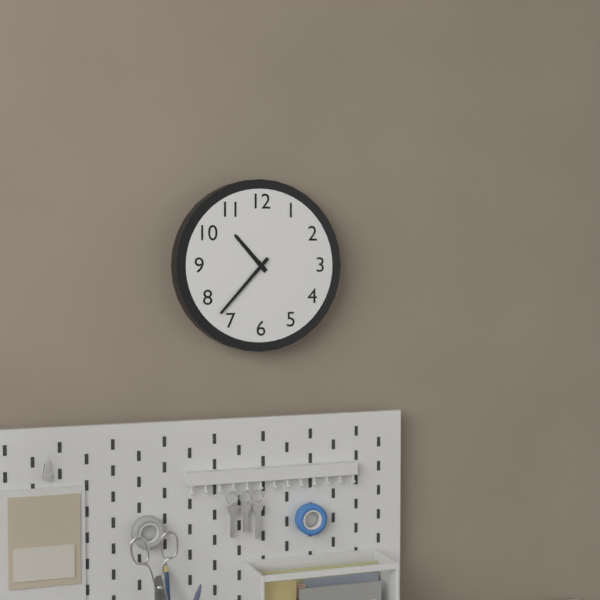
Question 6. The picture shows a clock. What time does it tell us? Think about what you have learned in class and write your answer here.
10:37
